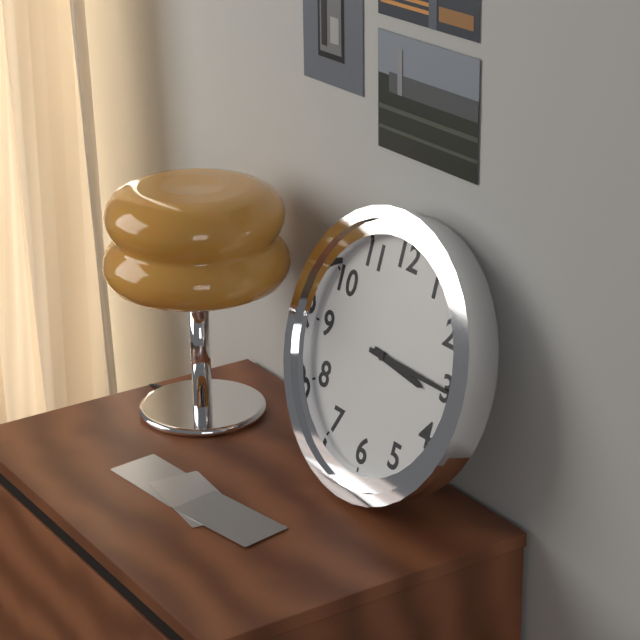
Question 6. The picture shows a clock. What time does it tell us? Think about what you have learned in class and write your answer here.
3:15
